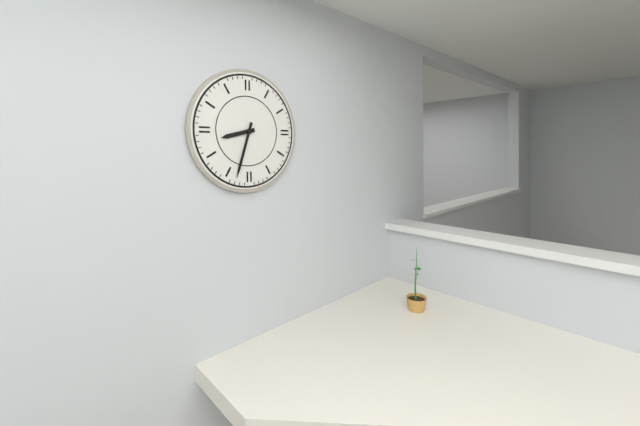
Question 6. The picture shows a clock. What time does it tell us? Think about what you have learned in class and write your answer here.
8:33
